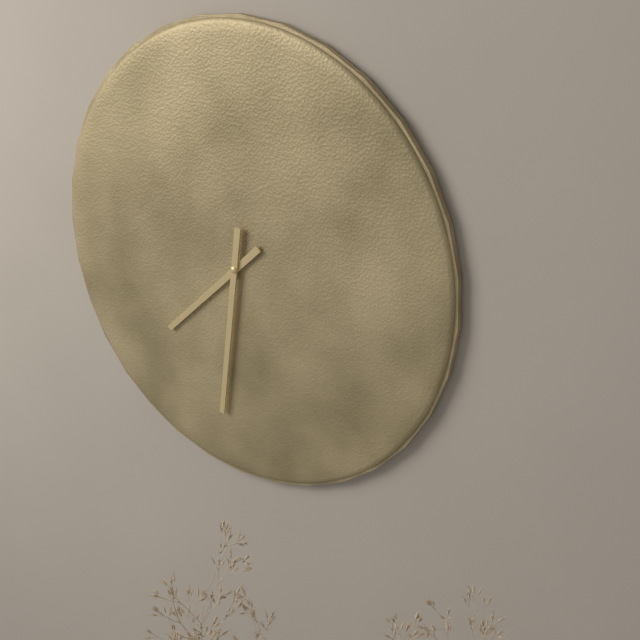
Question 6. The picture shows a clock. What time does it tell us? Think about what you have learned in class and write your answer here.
7:31
